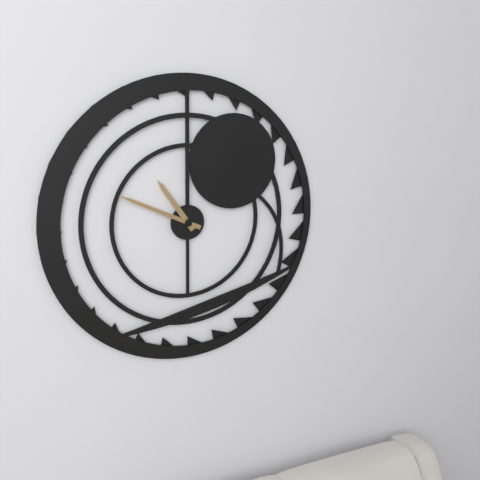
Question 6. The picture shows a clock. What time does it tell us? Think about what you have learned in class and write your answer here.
10:49
